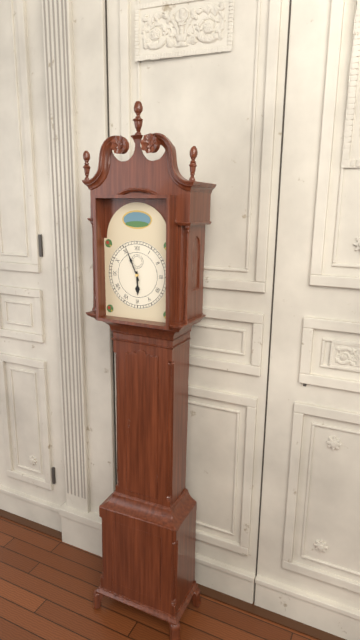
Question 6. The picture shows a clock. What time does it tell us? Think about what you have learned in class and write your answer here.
5:56
